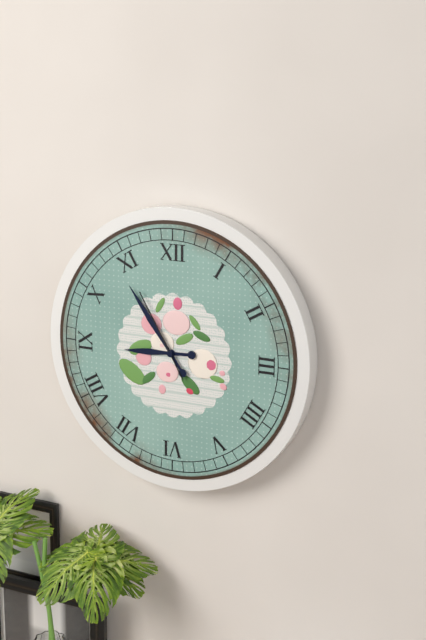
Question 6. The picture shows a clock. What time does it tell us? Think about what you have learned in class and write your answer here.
8:54:55
